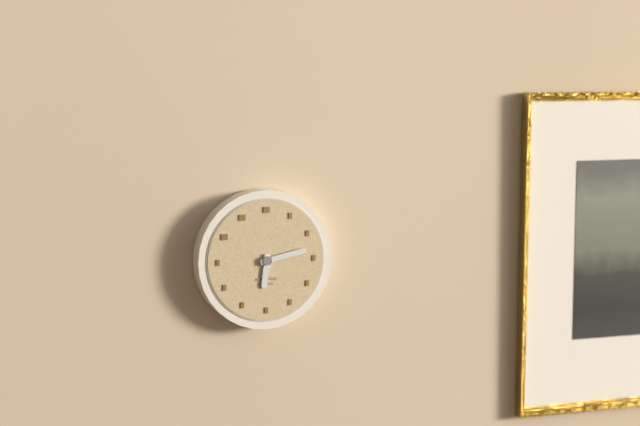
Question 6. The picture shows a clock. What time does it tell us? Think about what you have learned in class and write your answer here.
6:13
